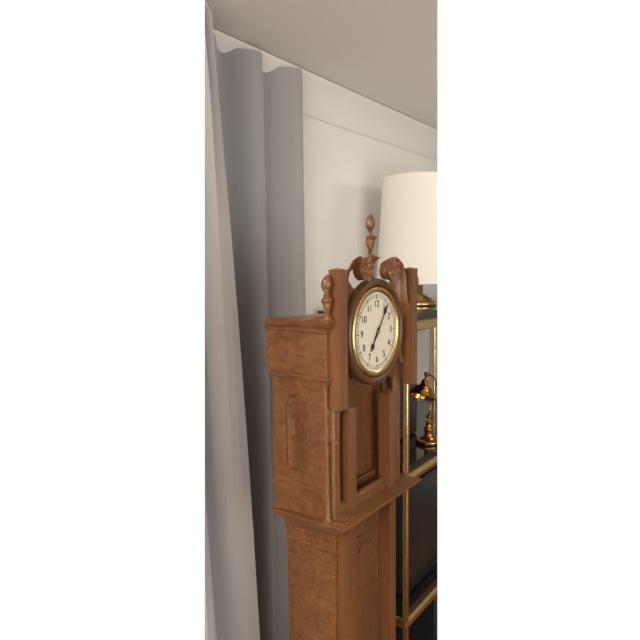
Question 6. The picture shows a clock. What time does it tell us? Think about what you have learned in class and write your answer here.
7:06
